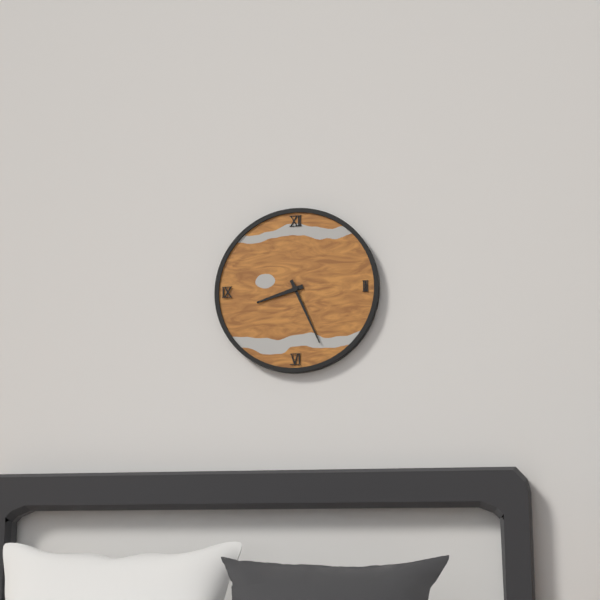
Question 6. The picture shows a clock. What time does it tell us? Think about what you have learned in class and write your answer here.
8:26
